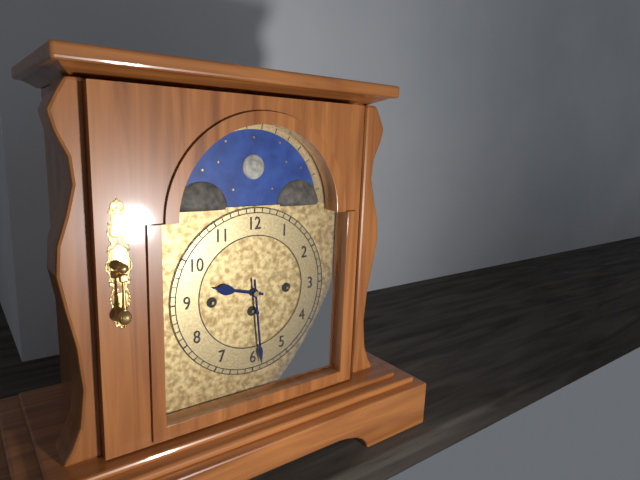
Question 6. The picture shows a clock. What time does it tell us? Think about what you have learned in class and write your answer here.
9:29
